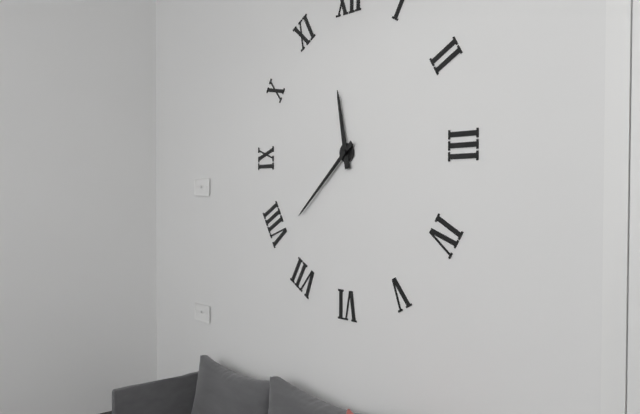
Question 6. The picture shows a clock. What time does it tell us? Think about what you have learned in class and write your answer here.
11:38
